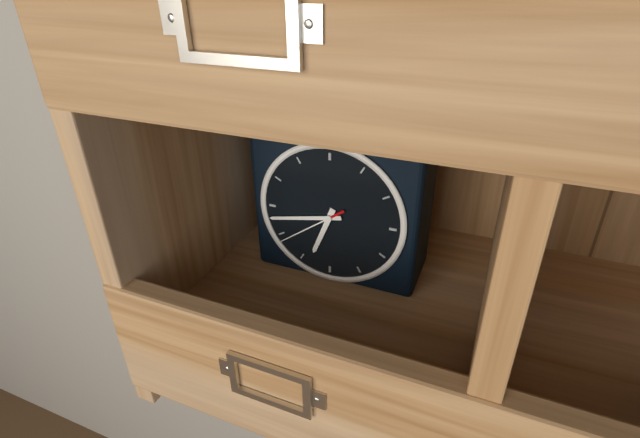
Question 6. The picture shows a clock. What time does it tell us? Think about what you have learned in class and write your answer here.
6:43:39
